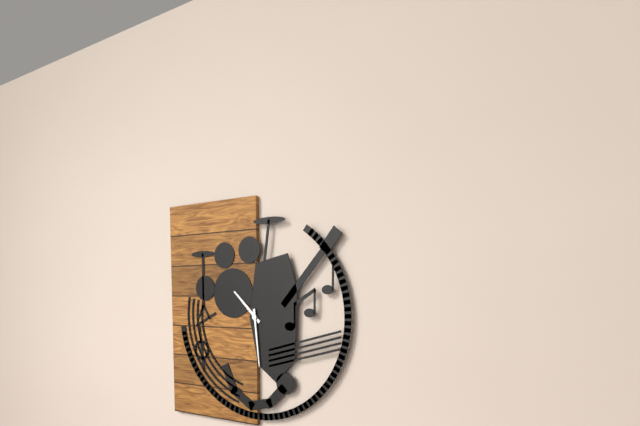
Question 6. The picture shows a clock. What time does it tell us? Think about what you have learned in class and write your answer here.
10:29
